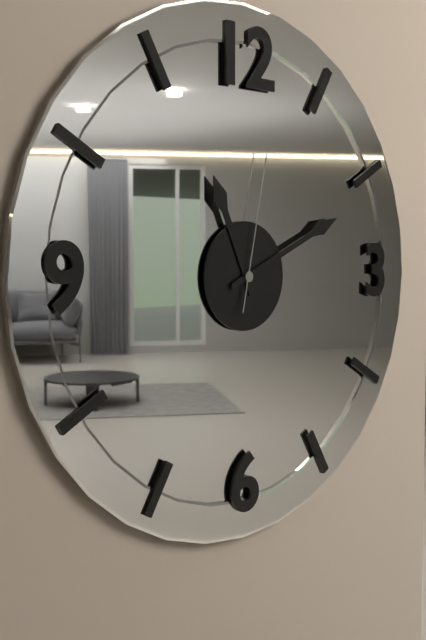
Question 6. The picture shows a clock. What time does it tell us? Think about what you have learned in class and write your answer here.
11:11:02
